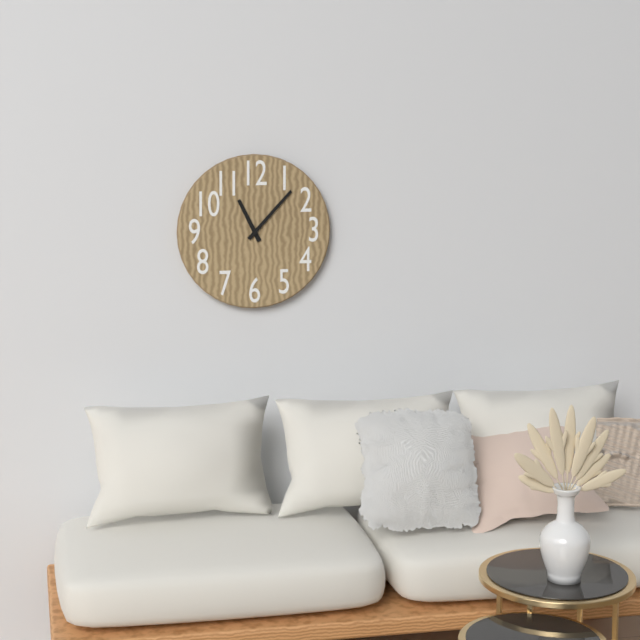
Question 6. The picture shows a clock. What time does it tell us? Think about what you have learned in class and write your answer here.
11:07
